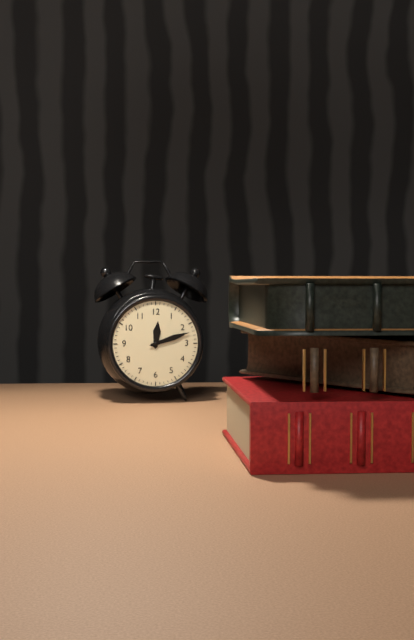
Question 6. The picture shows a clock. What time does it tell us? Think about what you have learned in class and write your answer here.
12:12
